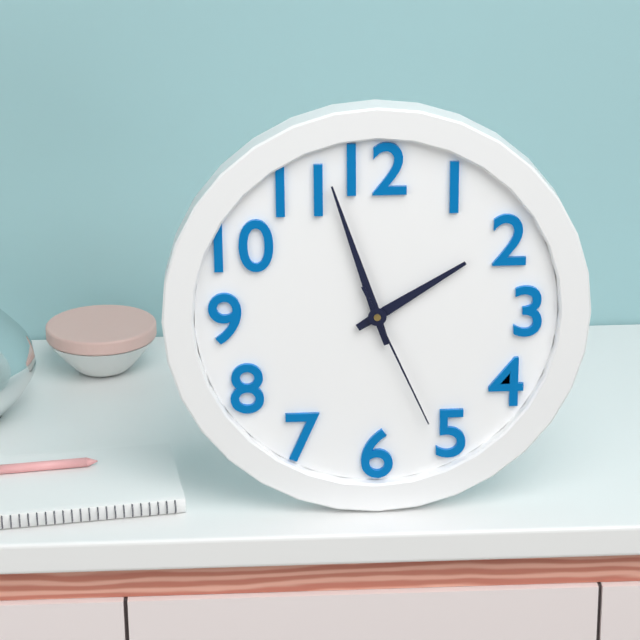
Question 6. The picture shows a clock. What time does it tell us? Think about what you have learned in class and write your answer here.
1:57:26
